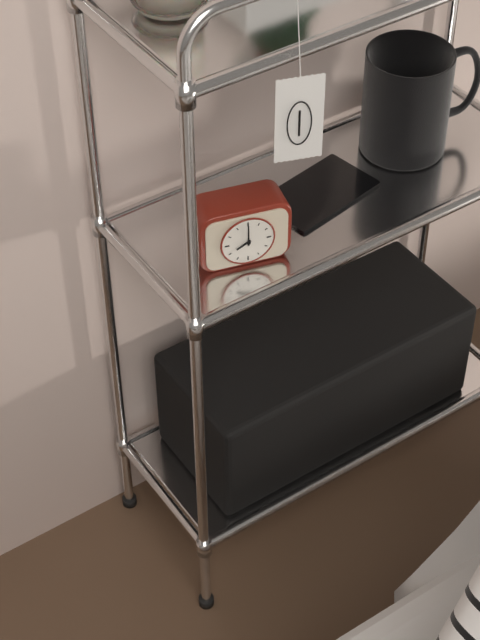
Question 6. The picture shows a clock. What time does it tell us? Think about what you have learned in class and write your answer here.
8:00
